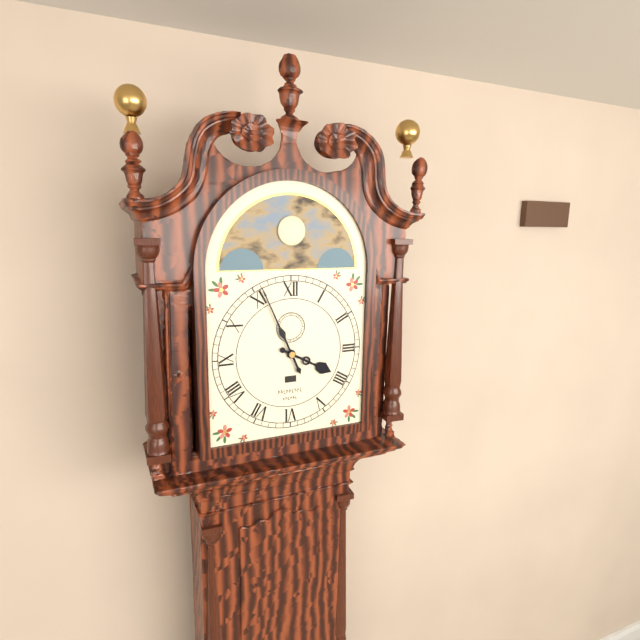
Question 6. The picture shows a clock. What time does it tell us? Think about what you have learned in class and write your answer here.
3:56
